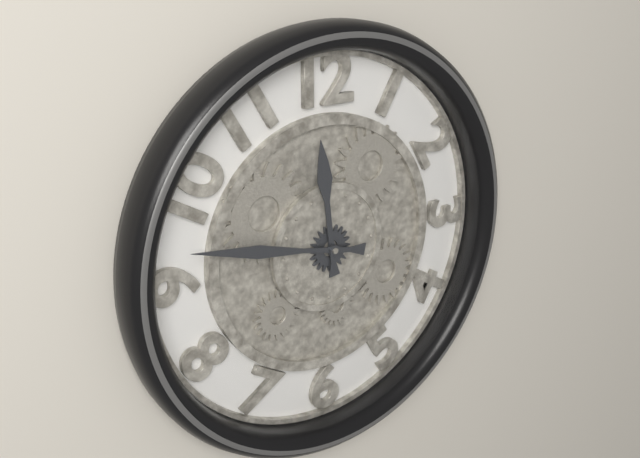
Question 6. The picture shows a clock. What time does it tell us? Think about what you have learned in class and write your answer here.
11:47
